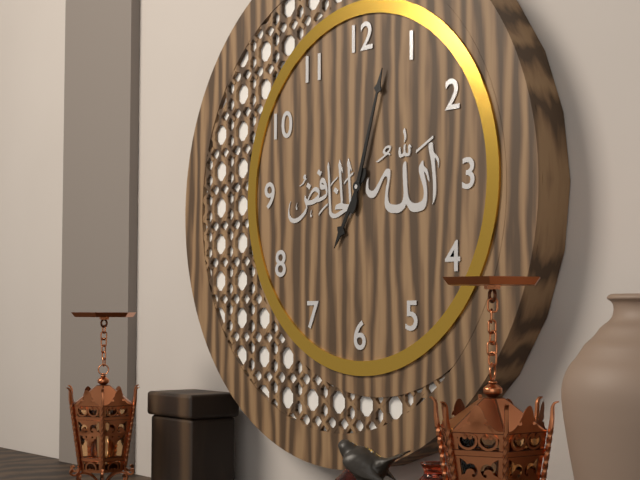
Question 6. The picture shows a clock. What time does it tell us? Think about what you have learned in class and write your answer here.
7:03
